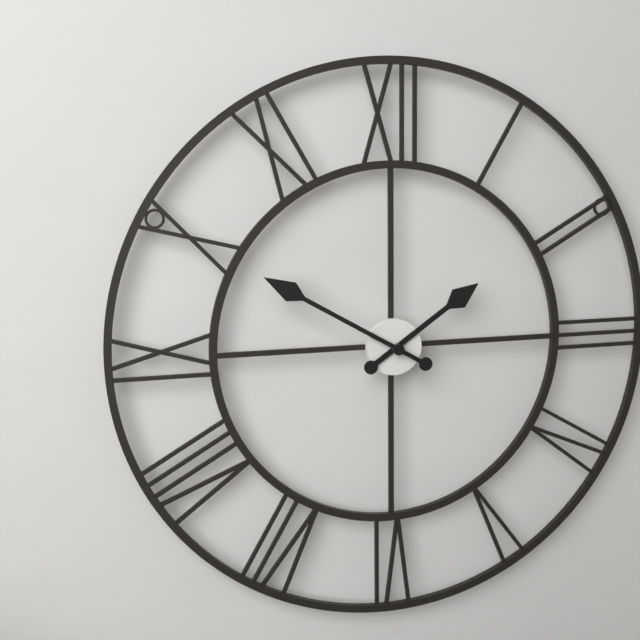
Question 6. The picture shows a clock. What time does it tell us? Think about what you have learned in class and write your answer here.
1:50
